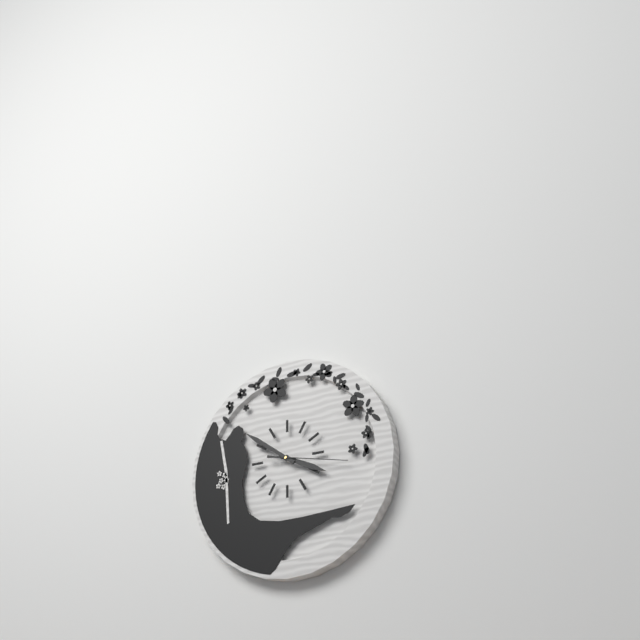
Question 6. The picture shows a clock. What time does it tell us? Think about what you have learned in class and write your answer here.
3:51:17
